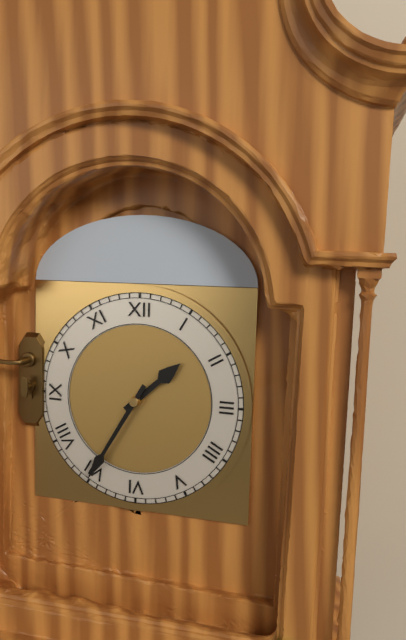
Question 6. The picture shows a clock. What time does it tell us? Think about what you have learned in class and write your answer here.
1:35
